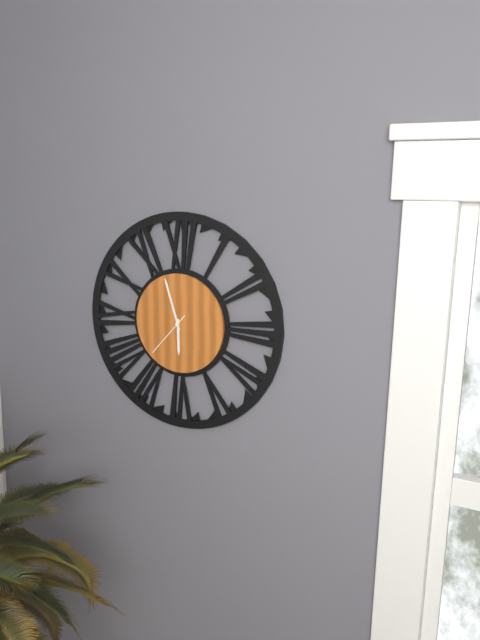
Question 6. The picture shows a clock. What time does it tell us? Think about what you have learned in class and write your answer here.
5:57:37
